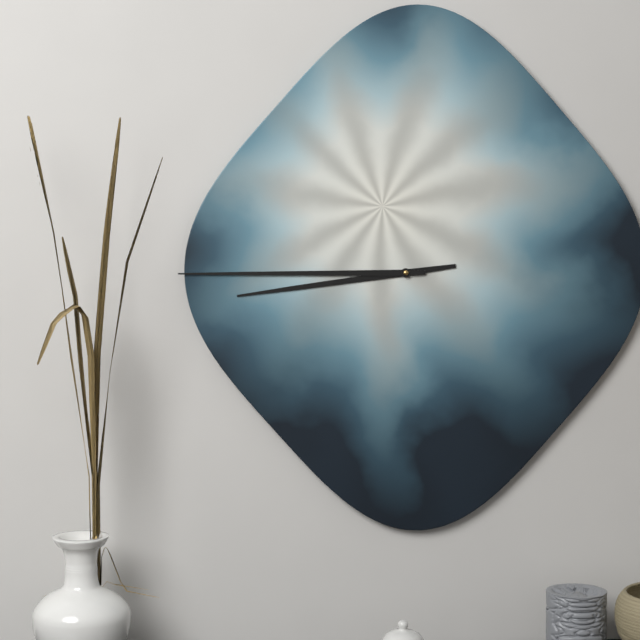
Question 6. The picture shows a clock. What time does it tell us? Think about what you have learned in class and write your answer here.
8:45
